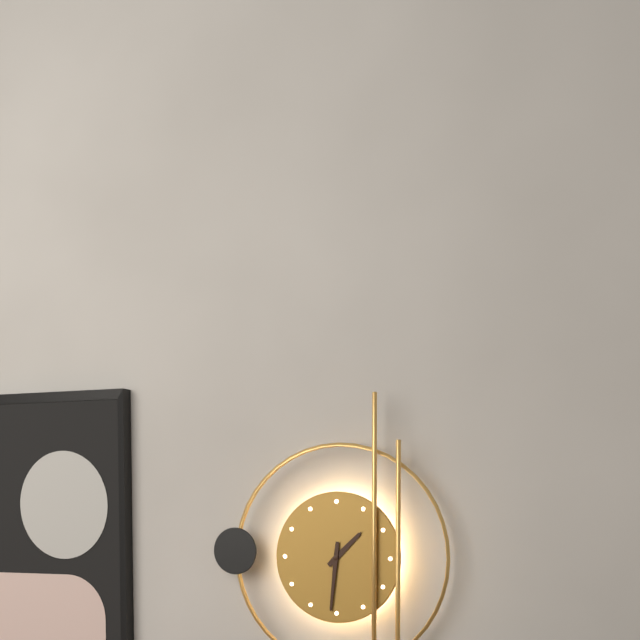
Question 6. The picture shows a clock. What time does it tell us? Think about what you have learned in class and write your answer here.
1:31
